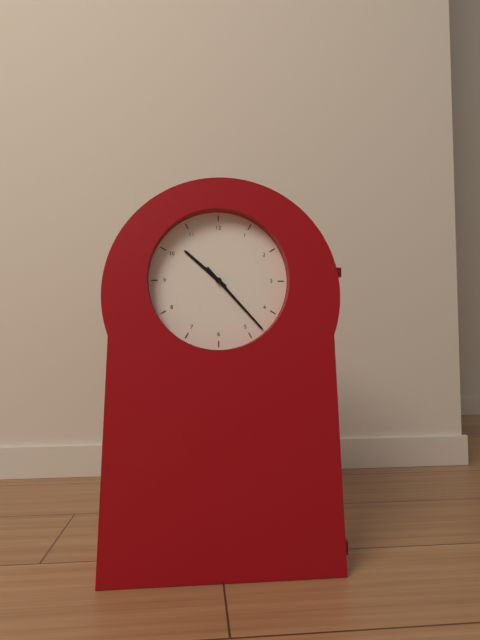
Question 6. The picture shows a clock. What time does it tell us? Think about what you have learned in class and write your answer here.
10:23
